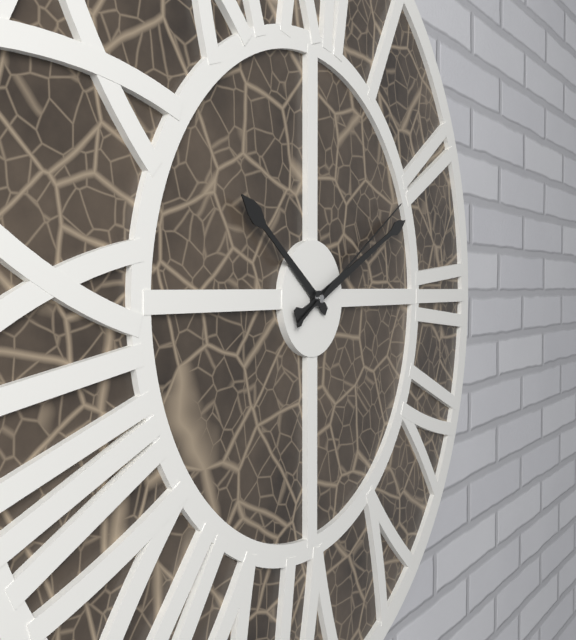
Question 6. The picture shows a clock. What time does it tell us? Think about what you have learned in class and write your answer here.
10:11:10
